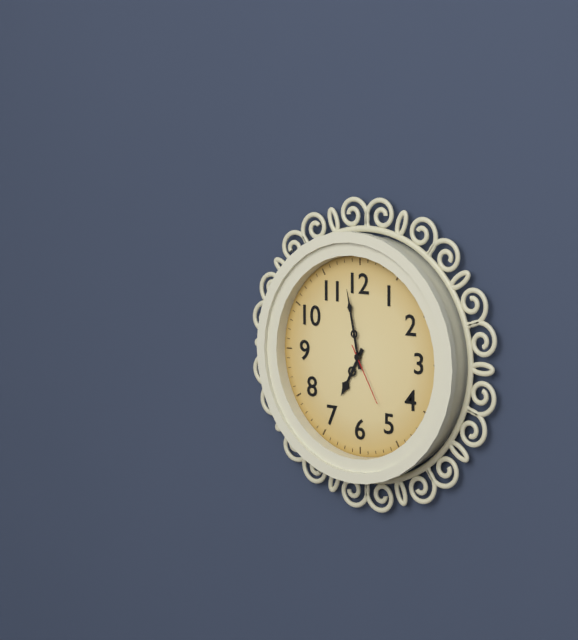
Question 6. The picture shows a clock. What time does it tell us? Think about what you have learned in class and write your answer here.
6:58:25
